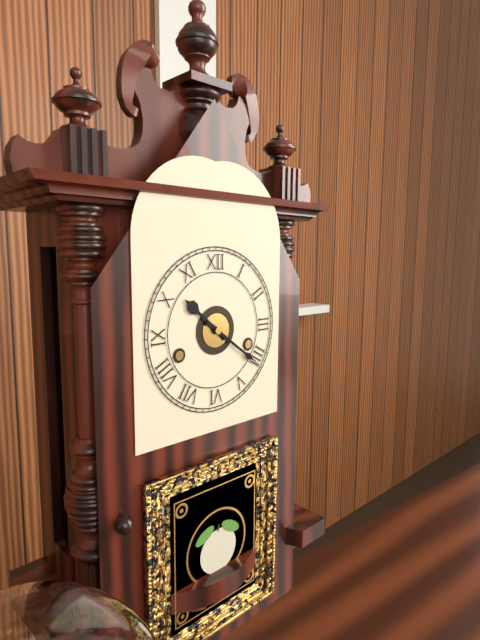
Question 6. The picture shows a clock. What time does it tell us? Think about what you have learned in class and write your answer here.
10:21
